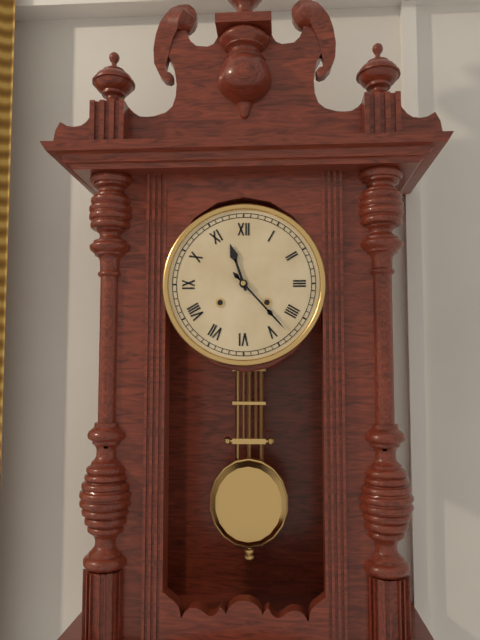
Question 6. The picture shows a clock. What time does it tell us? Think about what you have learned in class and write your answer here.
11:23
